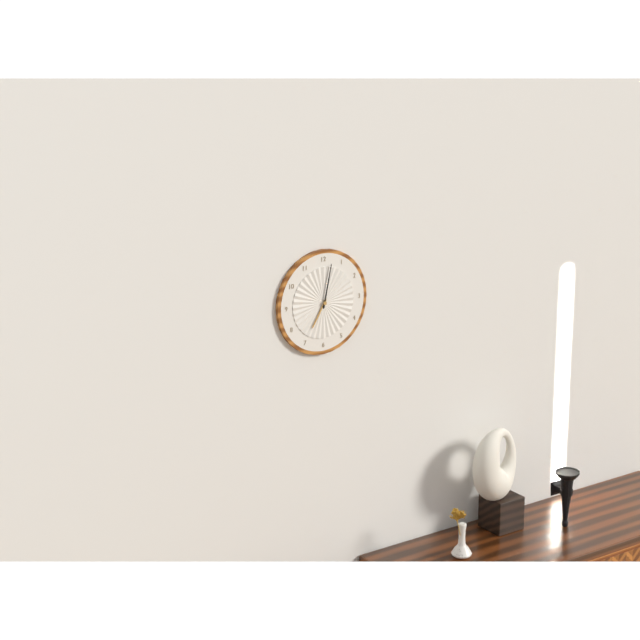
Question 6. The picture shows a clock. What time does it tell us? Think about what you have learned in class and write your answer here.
7:02
